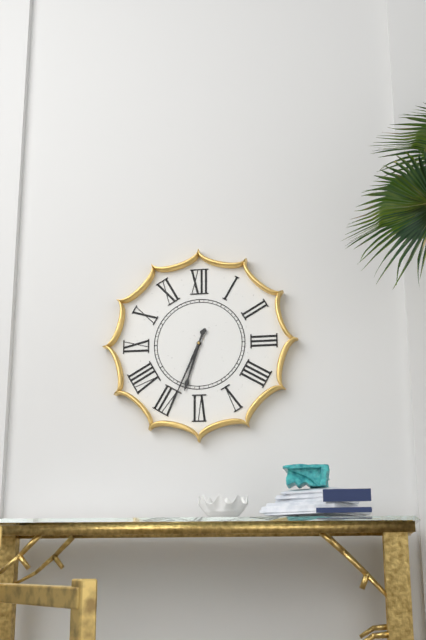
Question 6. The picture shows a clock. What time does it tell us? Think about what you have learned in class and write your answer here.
6:34
